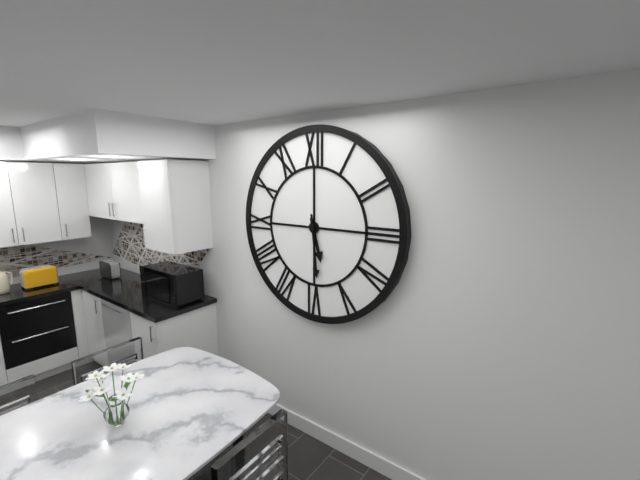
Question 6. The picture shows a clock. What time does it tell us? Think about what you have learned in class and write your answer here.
5:29
